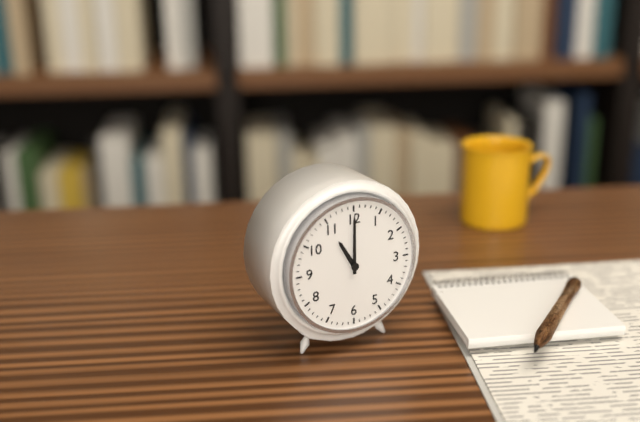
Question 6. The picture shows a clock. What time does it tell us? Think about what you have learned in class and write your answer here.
11:00
